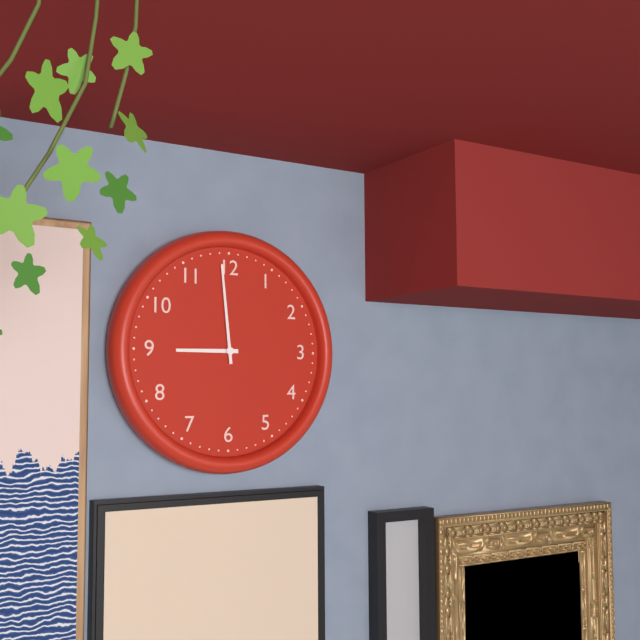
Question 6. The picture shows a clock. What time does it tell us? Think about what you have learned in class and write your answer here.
8:59
